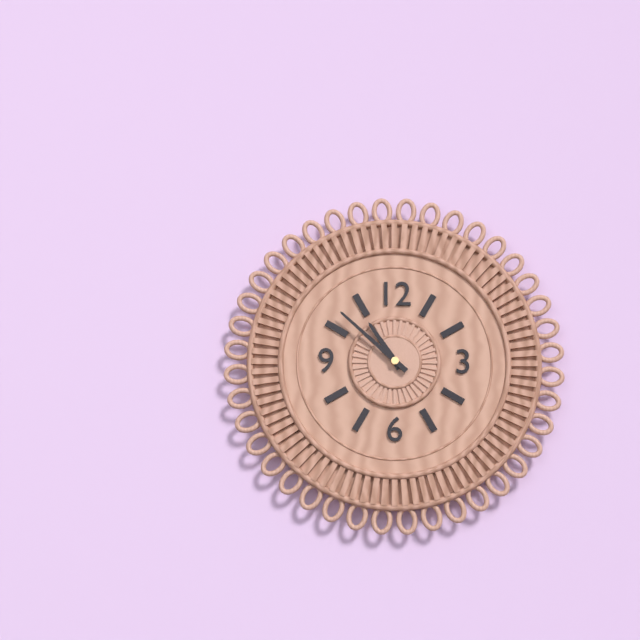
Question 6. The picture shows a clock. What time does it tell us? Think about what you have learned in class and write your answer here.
10:52
